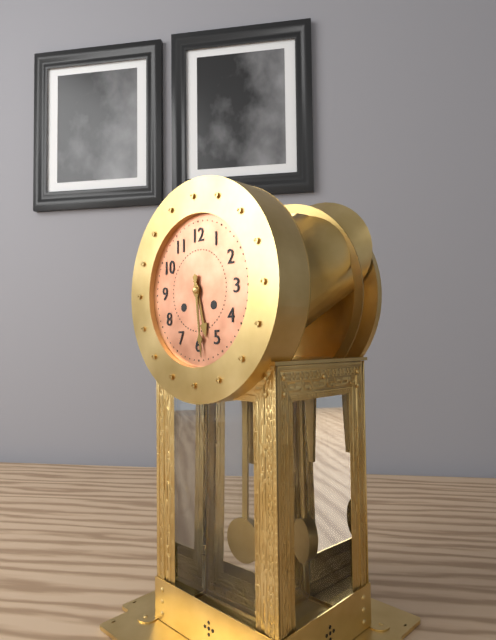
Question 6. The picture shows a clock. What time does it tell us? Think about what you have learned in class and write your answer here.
5:29
